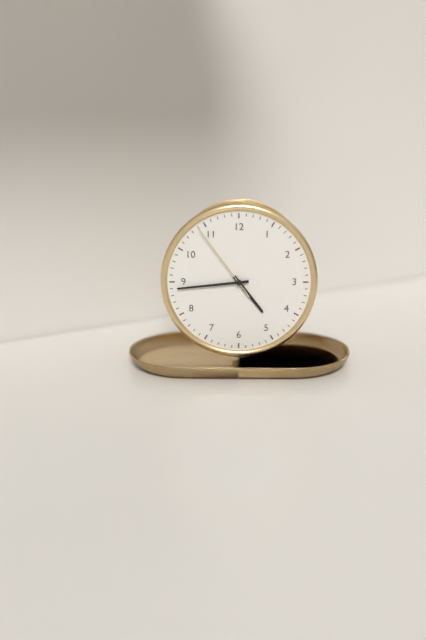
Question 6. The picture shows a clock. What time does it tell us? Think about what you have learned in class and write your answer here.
4:44:54
